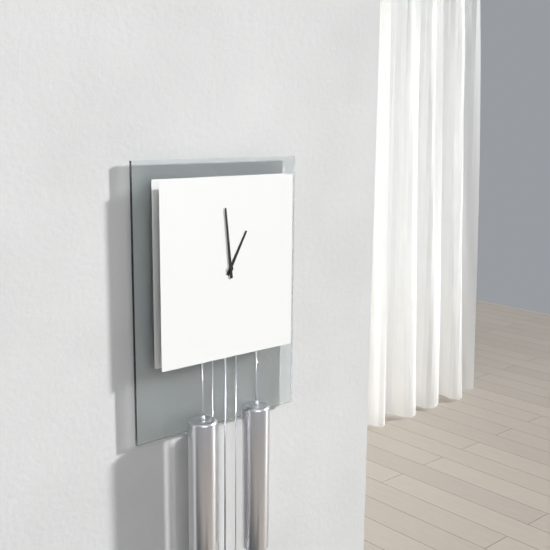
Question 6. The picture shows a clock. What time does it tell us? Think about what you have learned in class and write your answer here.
12:59
